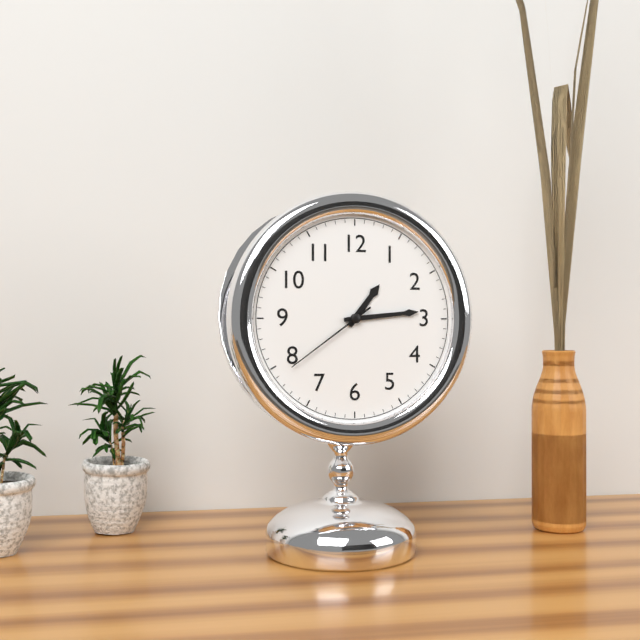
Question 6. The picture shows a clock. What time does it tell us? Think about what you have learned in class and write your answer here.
1:14:39
